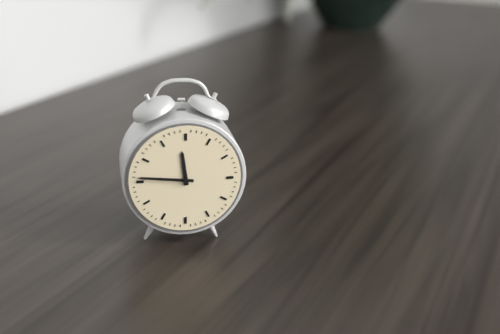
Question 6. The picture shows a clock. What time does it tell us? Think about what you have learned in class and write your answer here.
11:46
